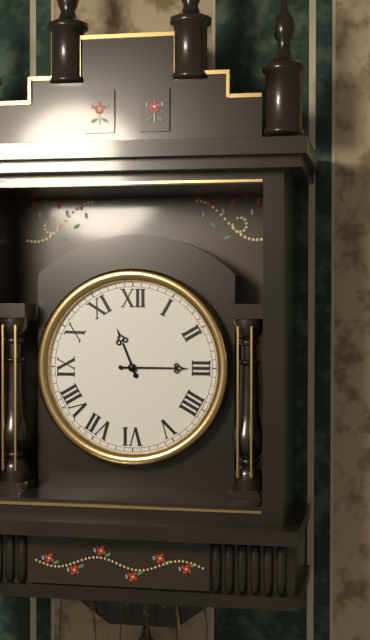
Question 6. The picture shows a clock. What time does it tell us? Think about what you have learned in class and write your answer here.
11:15
